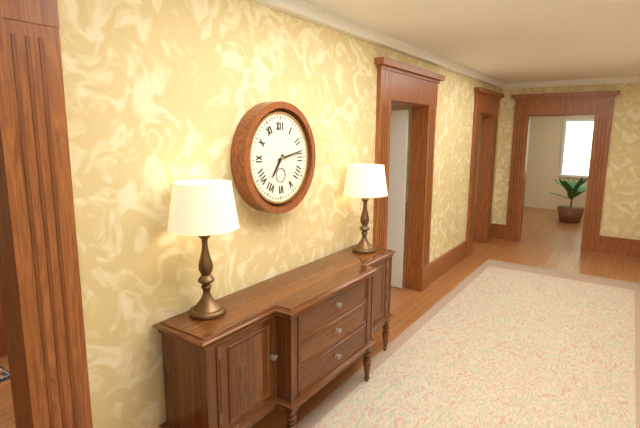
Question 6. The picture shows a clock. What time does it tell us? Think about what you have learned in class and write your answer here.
7:13
